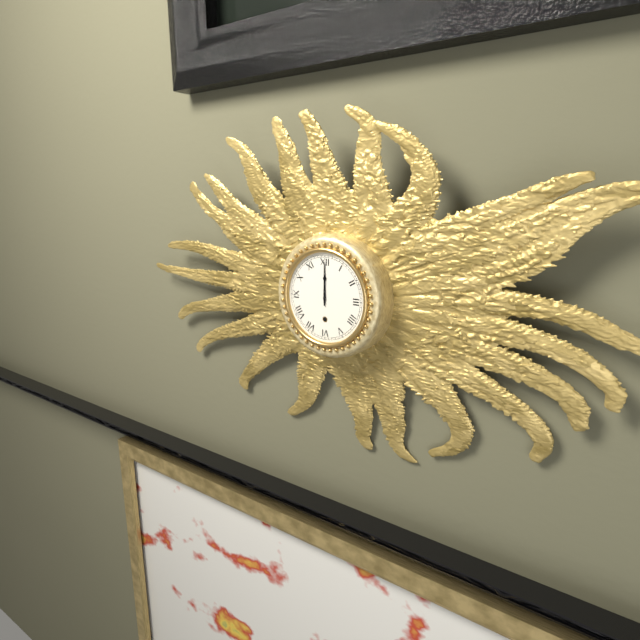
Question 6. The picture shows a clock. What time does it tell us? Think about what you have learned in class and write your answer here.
12:00
